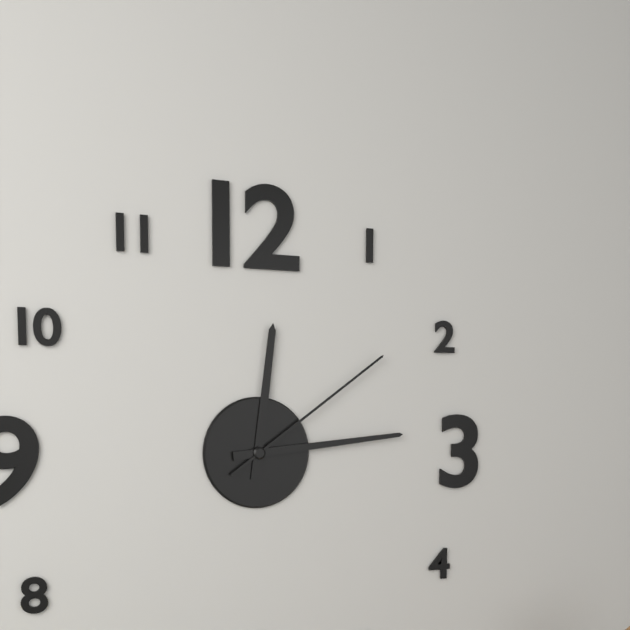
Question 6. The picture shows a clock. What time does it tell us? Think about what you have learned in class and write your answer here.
12:14:09
